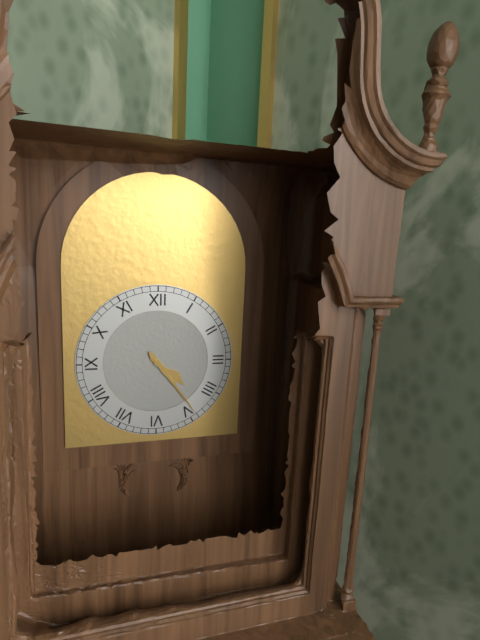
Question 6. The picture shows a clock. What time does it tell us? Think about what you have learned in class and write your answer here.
4:24
